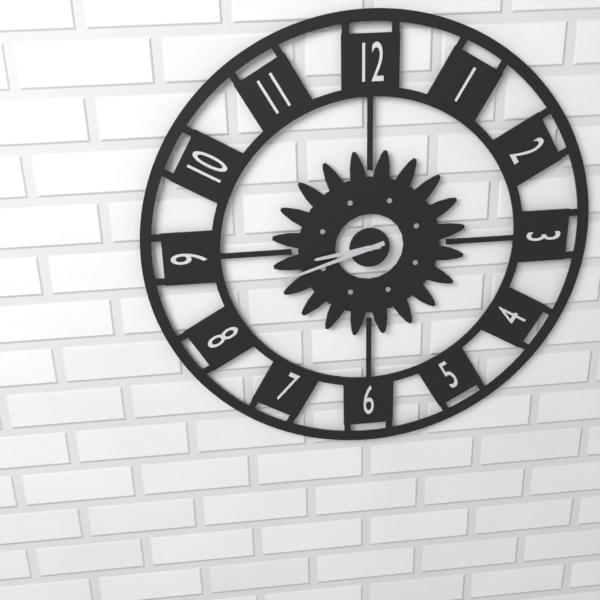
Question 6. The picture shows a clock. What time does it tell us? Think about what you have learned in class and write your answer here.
8:42
